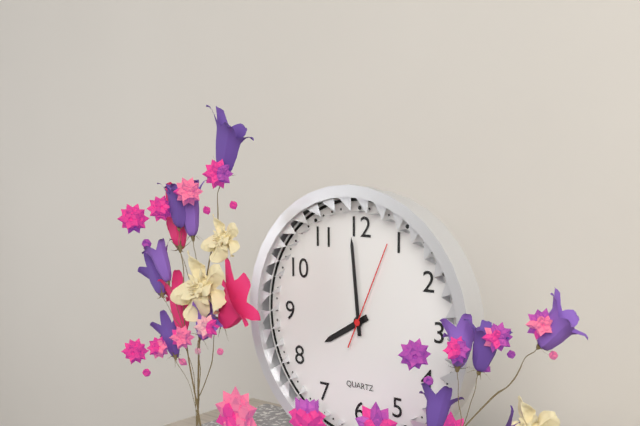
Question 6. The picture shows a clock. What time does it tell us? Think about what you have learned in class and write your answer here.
7:59:04
